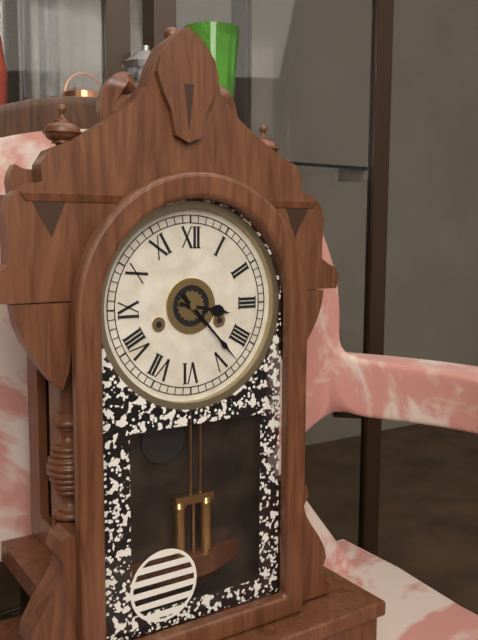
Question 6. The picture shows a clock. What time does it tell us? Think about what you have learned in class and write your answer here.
3:23
